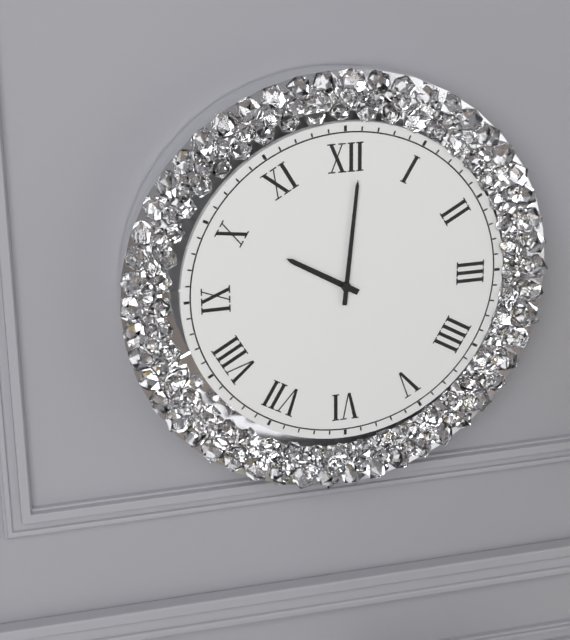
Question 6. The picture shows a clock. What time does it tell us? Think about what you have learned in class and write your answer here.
10:01
